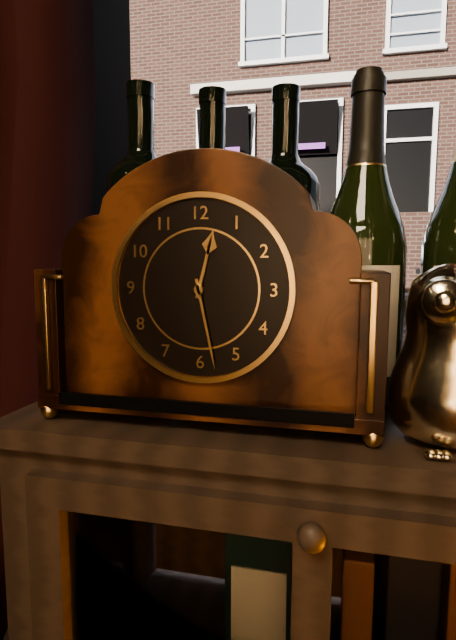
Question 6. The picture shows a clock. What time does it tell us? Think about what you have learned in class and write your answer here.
12:28
